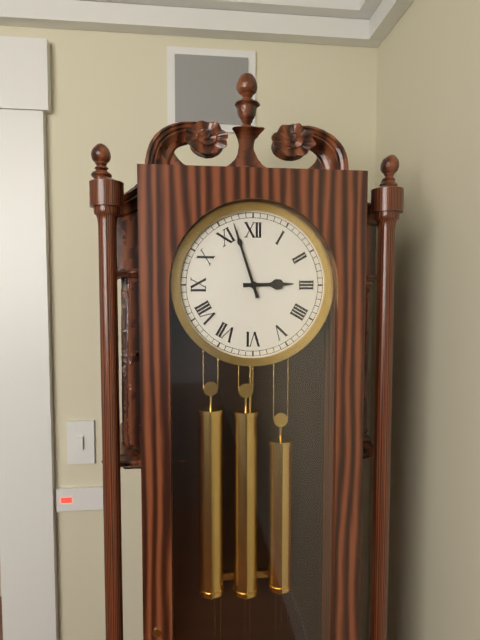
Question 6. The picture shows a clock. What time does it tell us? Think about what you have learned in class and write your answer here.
2:57
